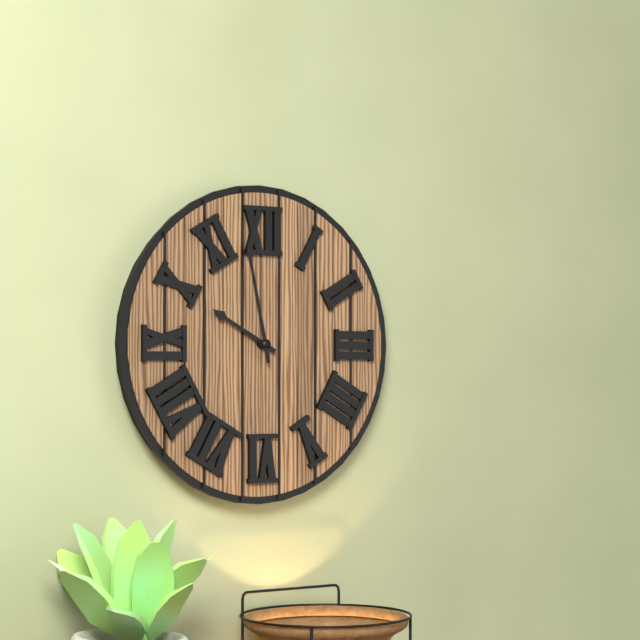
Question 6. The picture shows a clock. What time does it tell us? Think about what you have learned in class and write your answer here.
9:58
